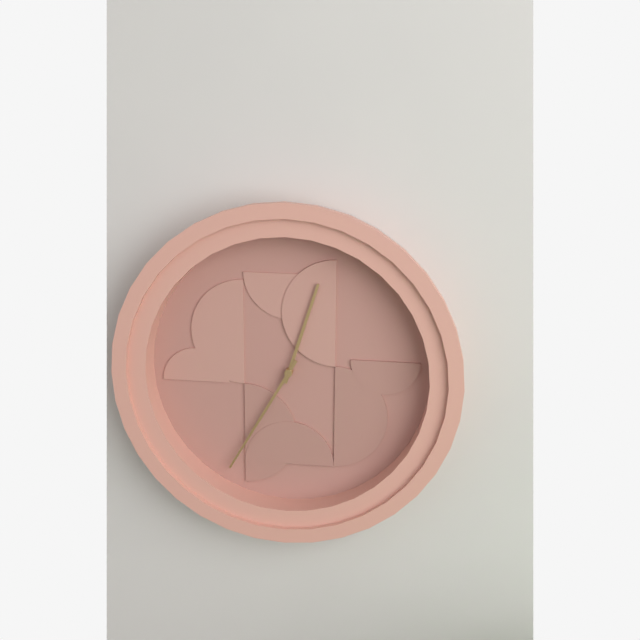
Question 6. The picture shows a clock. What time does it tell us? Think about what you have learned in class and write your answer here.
12:35
